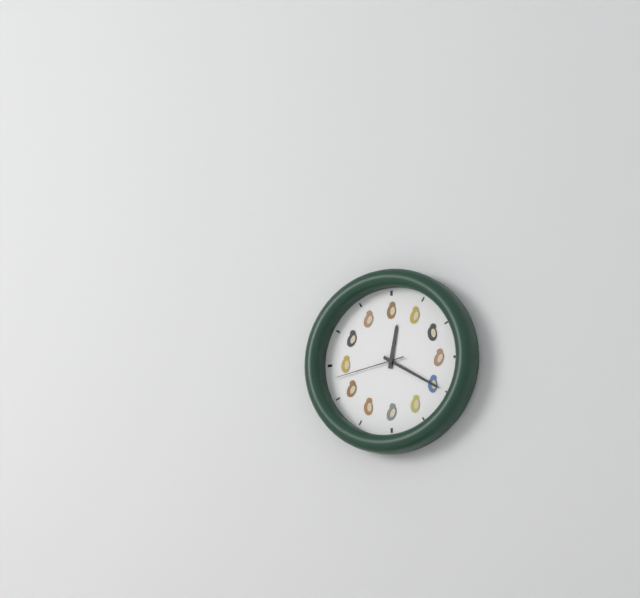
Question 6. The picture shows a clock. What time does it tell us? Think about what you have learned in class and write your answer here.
12:20:43
